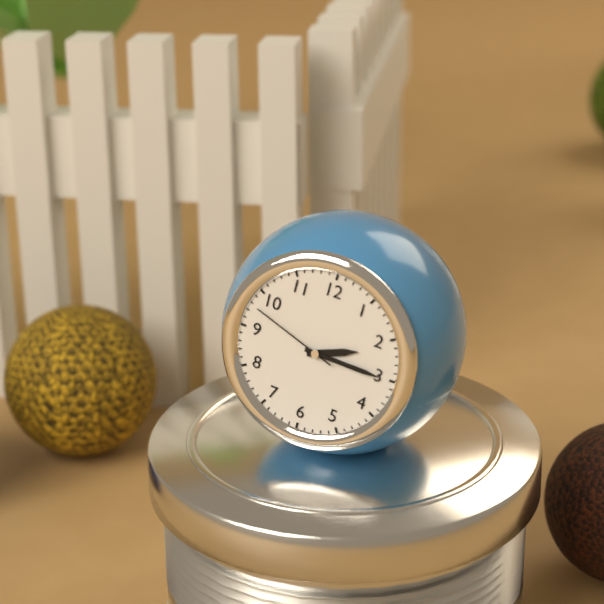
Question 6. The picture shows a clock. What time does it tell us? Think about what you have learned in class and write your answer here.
2:15:48
